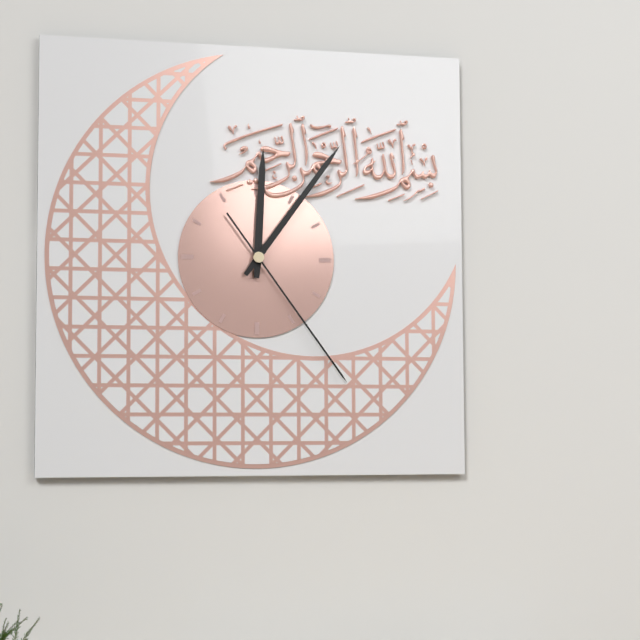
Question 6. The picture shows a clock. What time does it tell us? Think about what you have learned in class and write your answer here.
12:06:24
